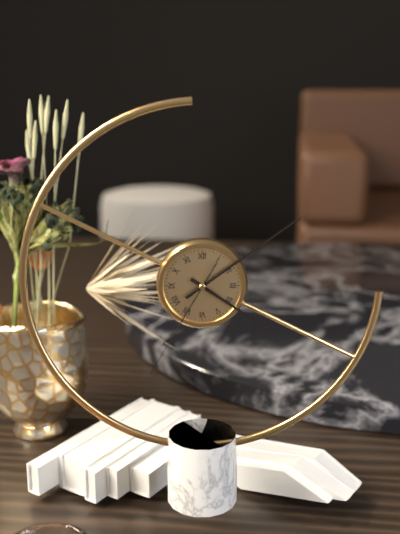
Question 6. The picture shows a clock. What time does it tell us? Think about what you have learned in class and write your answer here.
4:09:35
